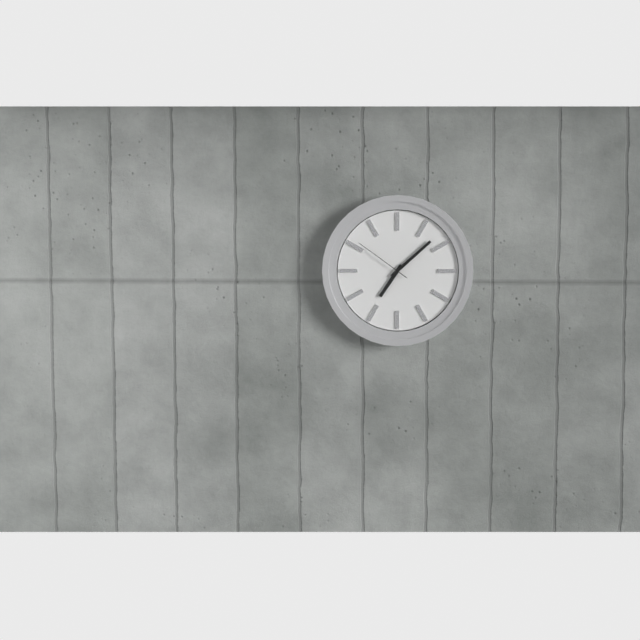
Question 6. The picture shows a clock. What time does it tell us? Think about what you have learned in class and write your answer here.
7:08:51
